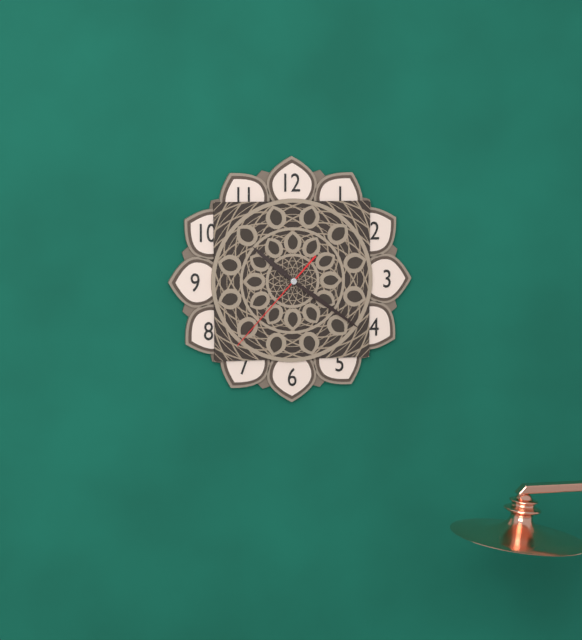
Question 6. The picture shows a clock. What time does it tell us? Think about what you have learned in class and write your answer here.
10:21:37
